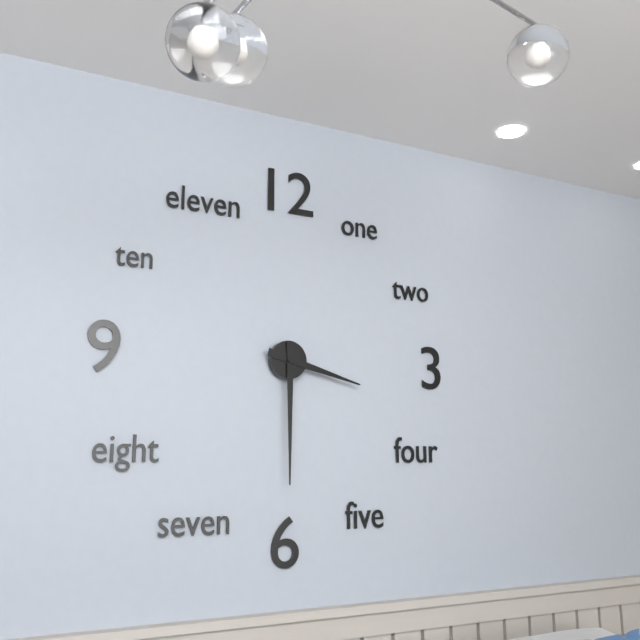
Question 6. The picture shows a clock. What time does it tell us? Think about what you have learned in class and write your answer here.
3:30
